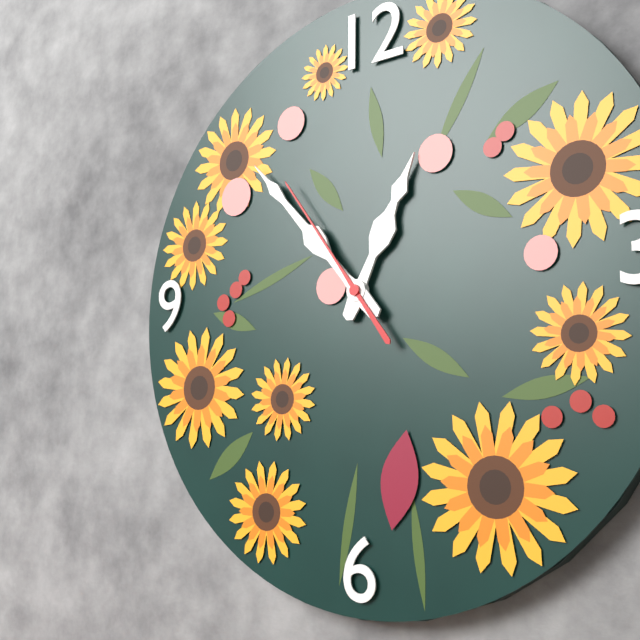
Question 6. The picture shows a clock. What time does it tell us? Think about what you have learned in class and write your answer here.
12:53:54
